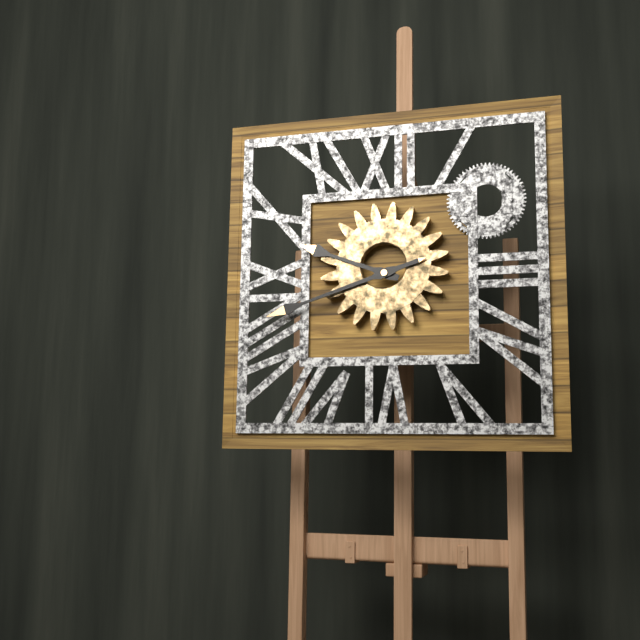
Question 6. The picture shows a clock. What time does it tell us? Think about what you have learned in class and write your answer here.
9:42
